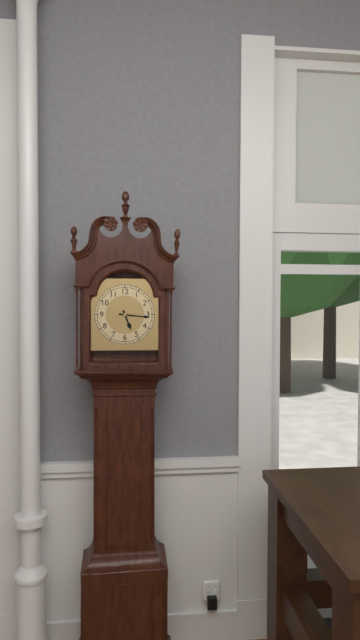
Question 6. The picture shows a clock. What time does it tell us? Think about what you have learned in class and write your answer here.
5:16
